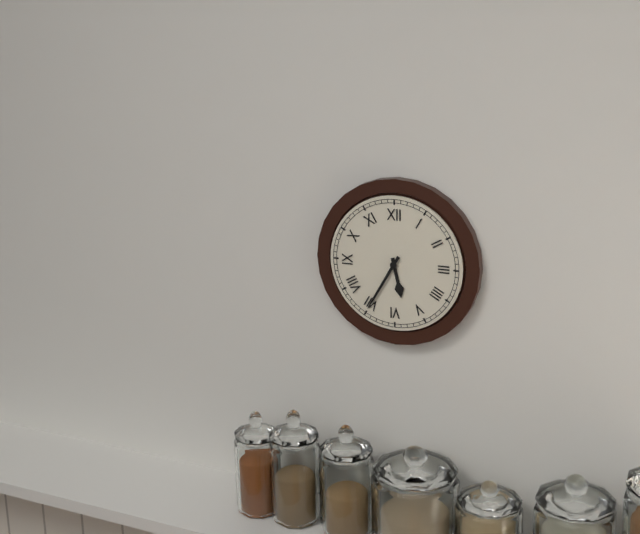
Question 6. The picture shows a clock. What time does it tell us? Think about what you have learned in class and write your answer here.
5:35
